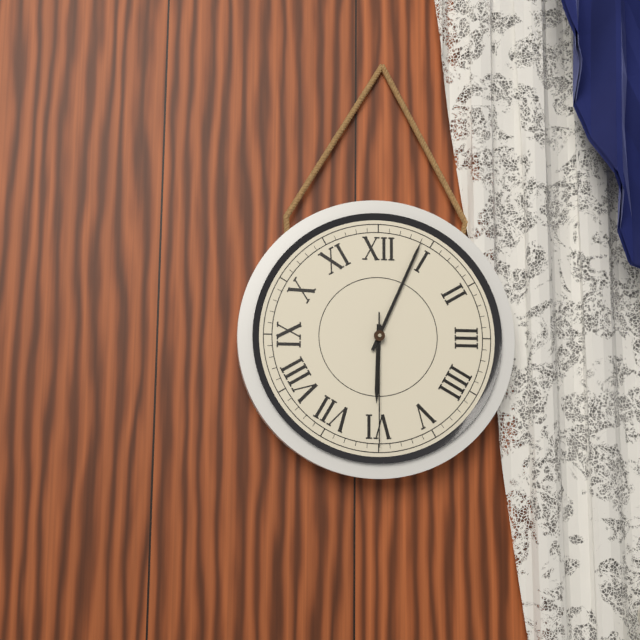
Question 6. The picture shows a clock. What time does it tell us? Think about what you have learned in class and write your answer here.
6:04:30
